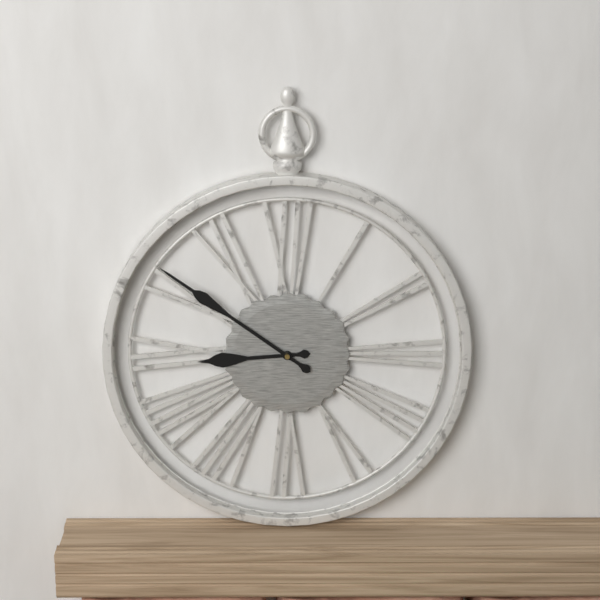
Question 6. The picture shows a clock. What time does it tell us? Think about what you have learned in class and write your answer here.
8:51
